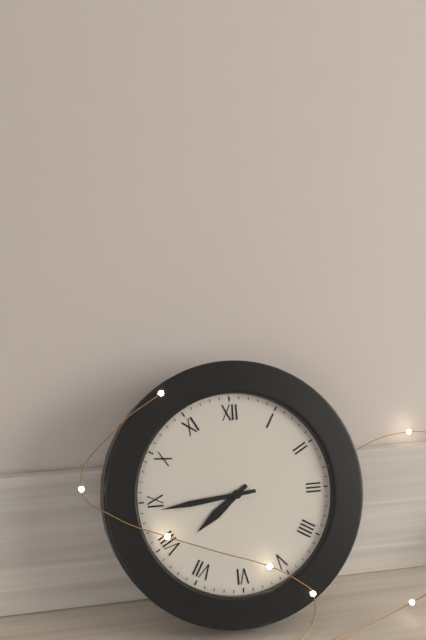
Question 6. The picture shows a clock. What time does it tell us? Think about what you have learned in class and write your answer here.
7:44
